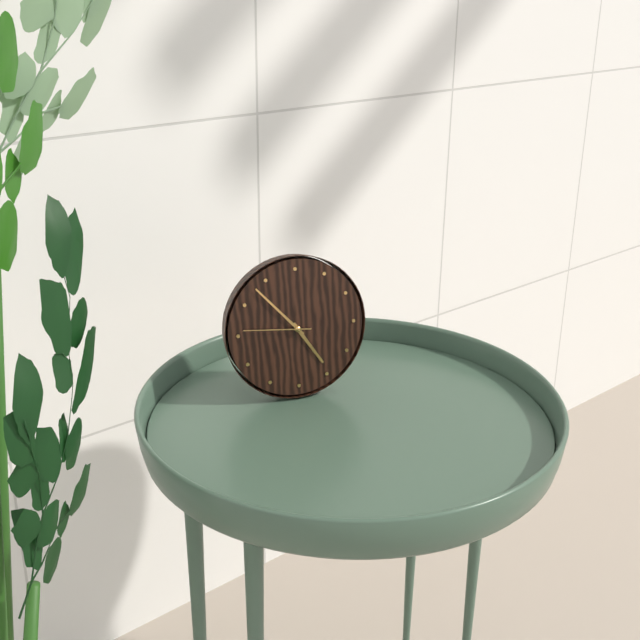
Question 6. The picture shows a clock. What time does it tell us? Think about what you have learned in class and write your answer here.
4:53:46
